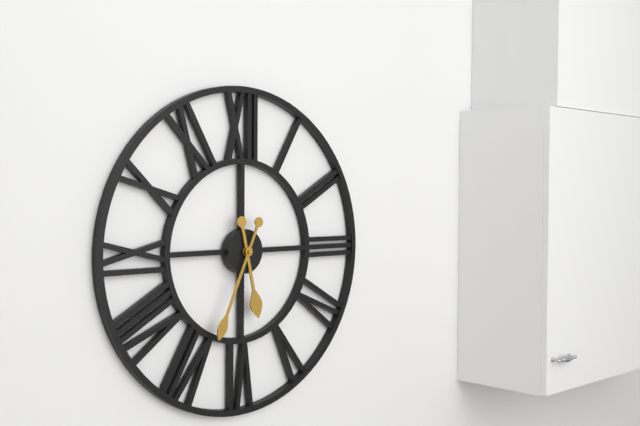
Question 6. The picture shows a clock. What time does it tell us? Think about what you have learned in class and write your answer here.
5:34
